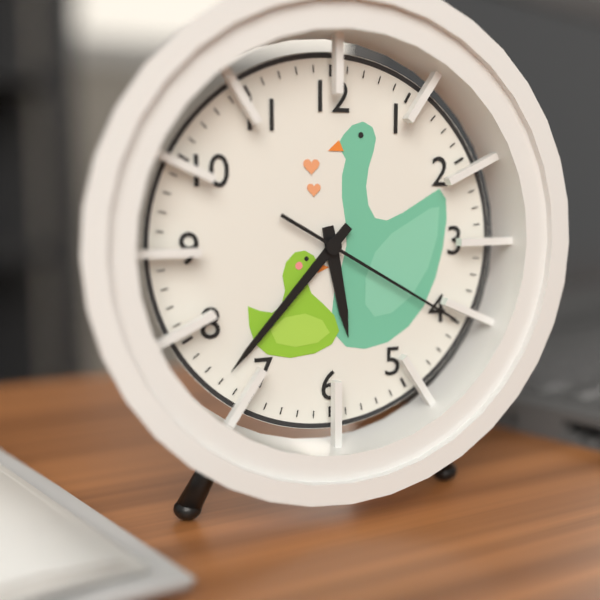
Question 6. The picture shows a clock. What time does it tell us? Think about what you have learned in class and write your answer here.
5:37:20
